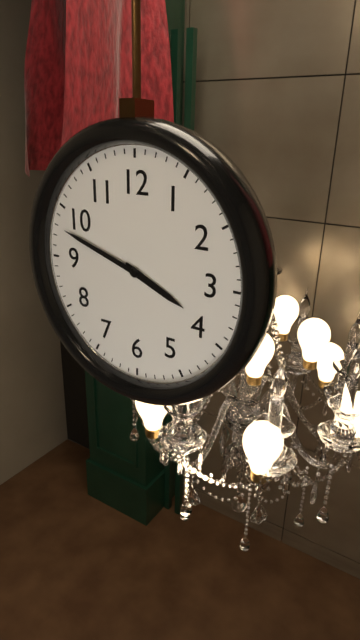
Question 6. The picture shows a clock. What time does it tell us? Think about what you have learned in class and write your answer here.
3:48
